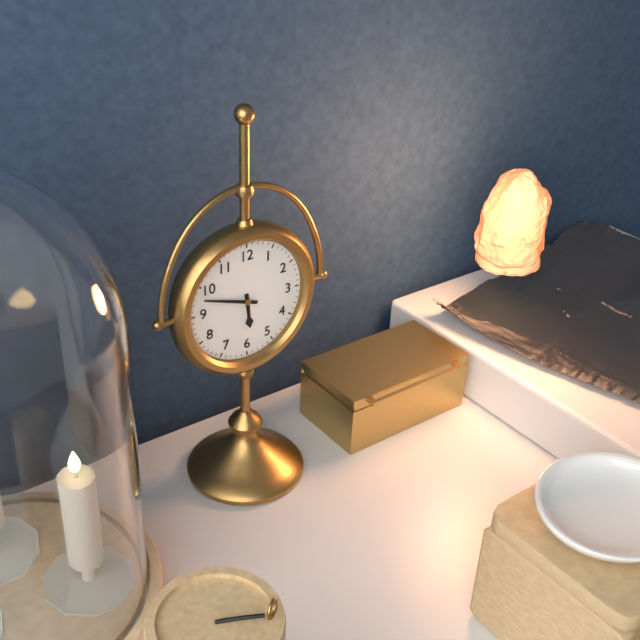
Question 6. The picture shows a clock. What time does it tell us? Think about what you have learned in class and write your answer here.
5:48
